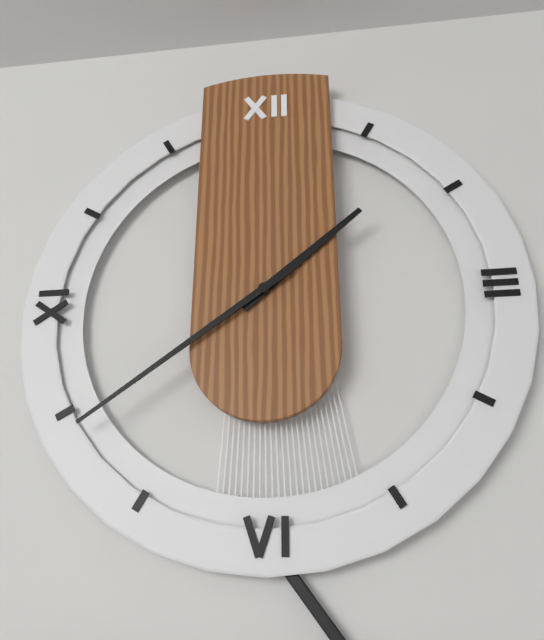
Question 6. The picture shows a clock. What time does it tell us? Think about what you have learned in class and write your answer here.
1:39
